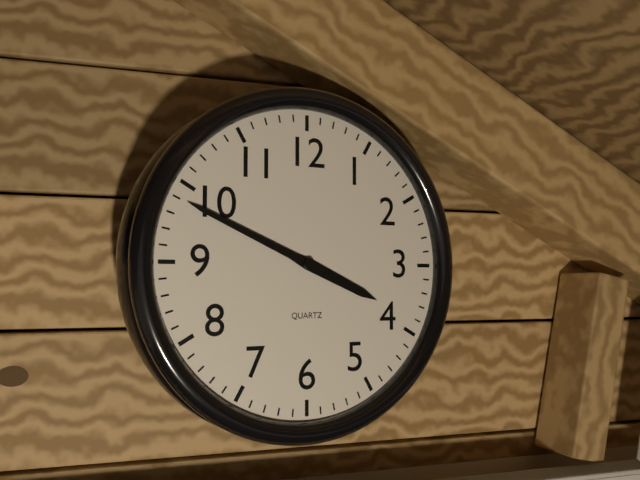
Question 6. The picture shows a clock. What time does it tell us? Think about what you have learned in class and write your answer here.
3:49
